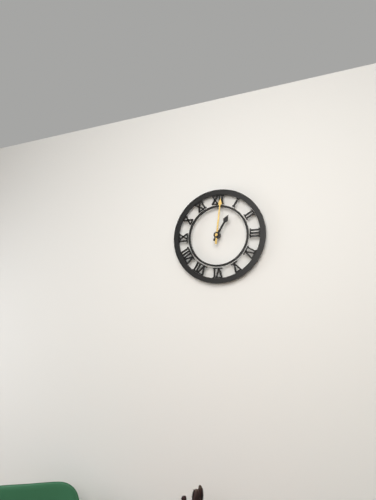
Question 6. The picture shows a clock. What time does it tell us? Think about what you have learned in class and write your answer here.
1:01
